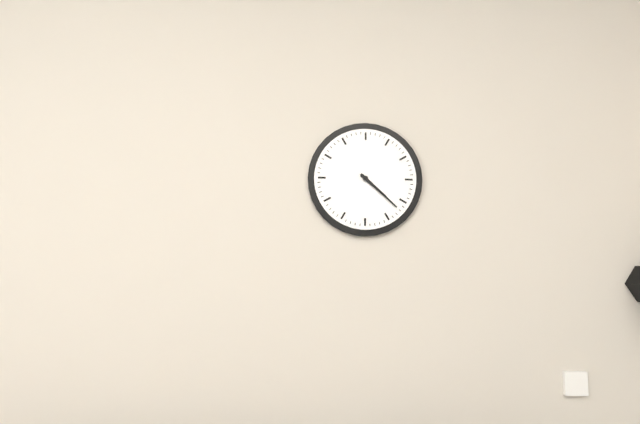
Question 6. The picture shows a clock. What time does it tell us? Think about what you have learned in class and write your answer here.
4:22
